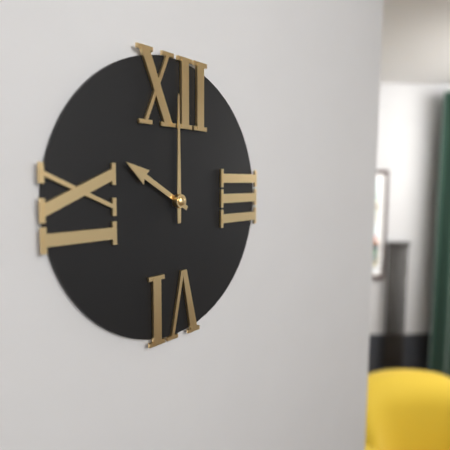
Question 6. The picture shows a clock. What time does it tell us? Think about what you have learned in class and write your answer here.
10:00
